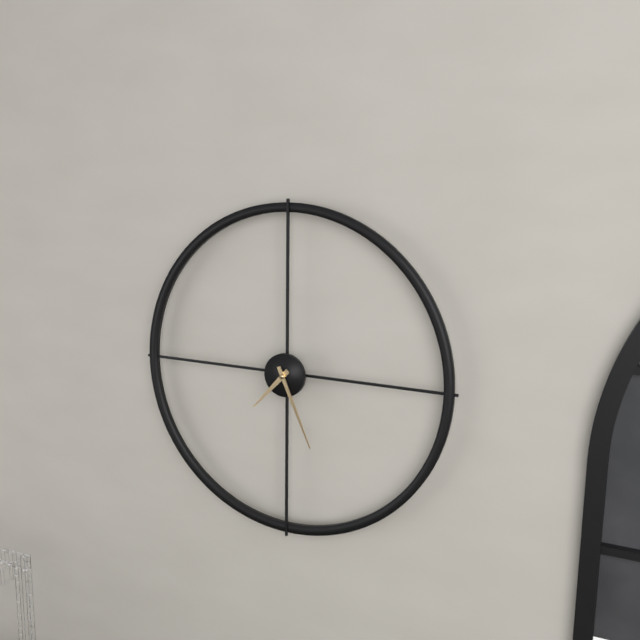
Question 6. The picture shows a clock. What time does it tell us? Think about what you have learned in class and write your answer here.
7:26
